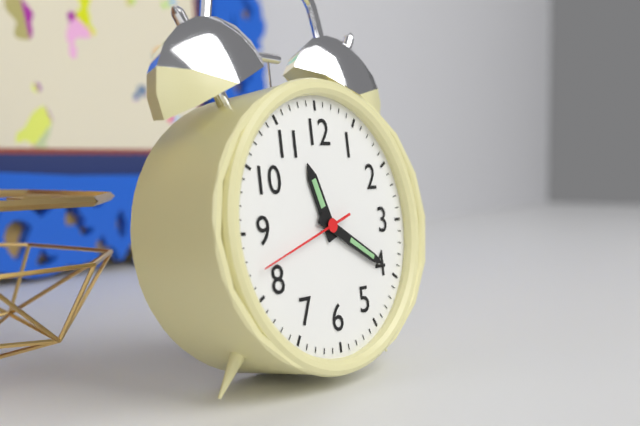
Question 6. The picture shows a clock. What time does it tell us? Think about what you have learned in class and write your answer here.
11:20:42
